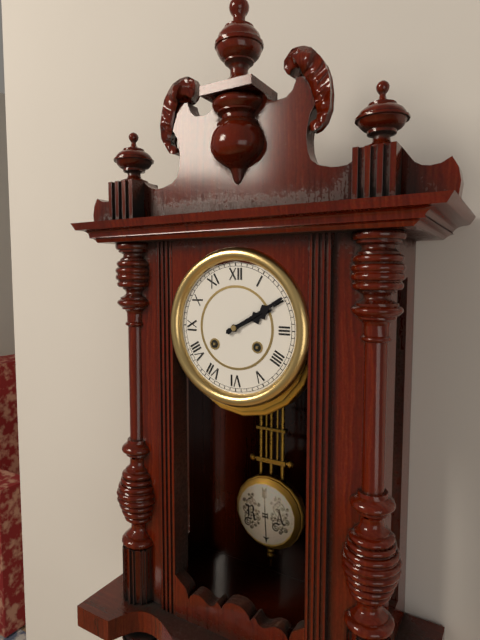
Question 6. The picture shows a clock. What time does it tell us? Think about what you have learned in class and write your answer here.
2:10
